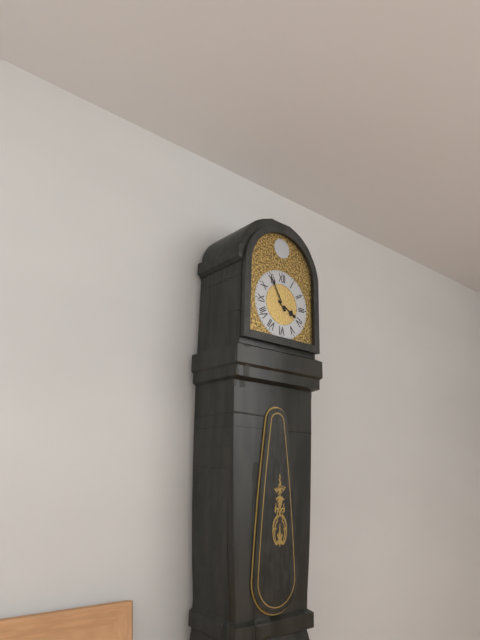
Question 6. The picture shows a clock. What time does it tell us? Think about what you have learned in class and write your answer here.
3:55
